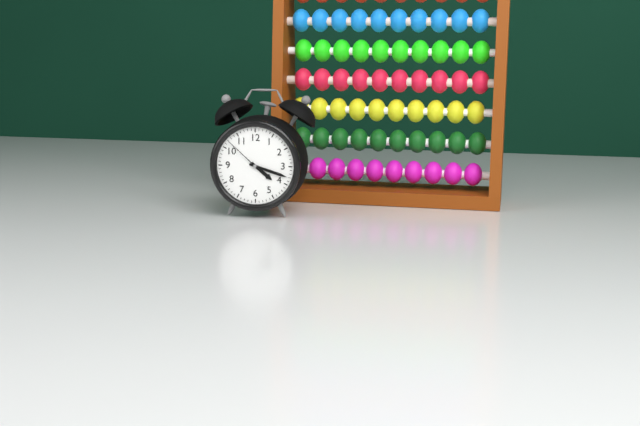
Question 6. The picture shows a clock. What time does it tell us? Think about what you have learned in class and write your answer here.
4:18
